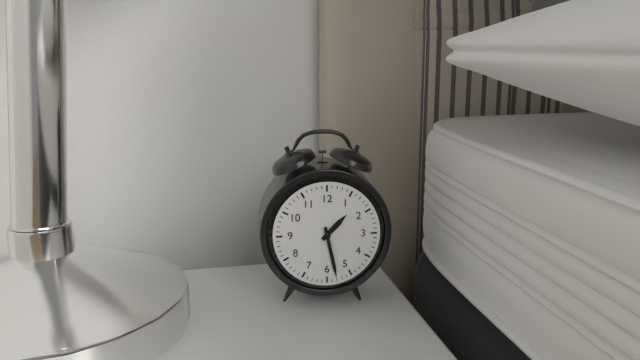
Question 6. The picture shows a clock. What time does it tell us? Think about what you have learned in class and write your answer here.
1:28
